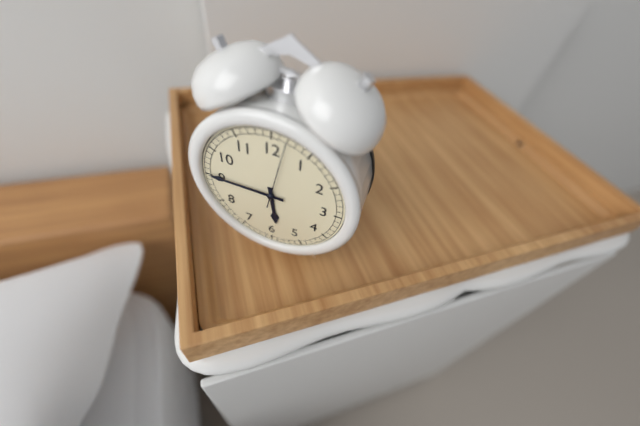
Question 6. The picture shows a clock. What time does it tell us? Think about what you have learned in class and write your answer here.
5:45:02
